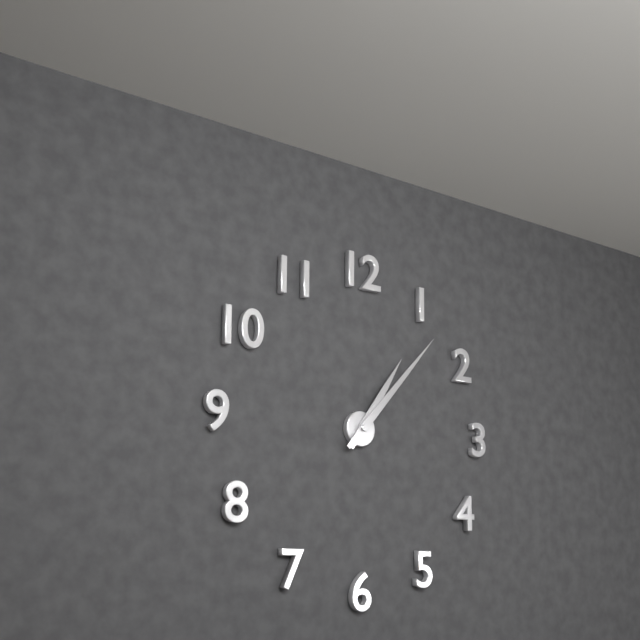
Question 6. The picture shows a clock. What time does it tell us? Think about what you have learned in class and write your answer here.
1:07
